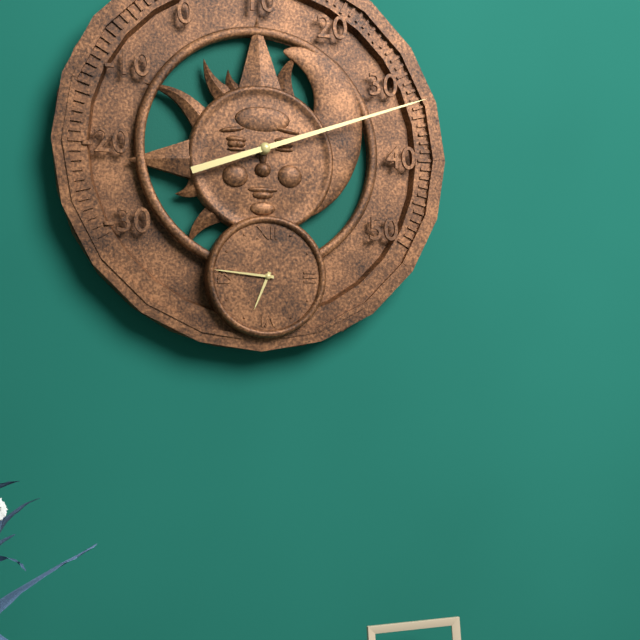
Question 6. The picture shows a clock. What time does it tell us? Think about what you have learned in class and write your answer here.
6:46
